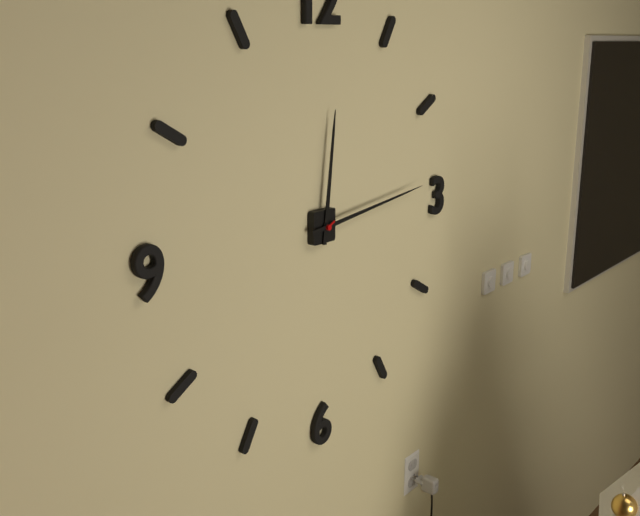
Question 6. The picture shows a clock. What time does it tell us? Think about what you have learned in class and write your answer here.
12:14
